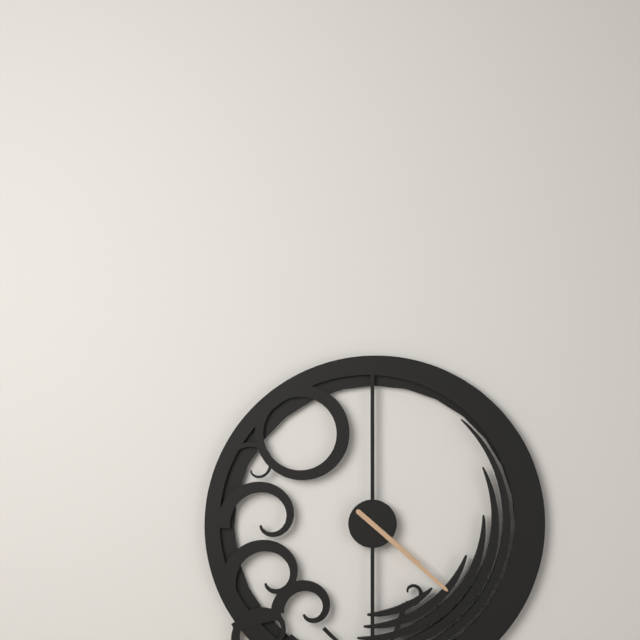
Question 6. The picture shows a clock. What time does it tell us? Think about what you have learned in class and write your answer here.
4:22
